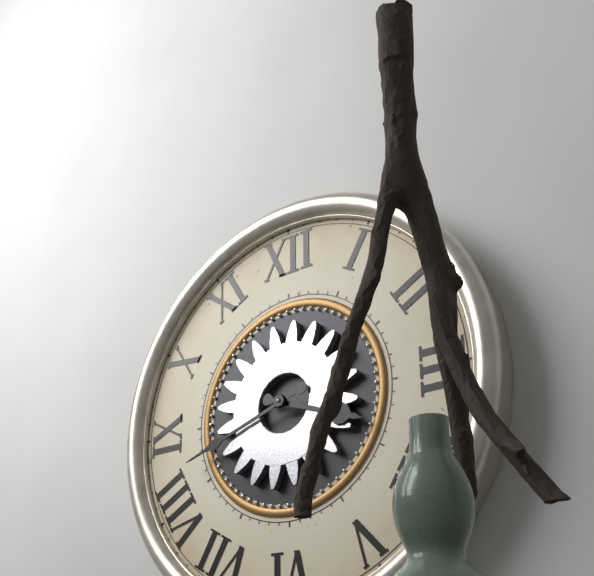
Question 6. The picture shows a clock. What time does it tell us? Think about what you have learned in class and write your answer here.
3:42
